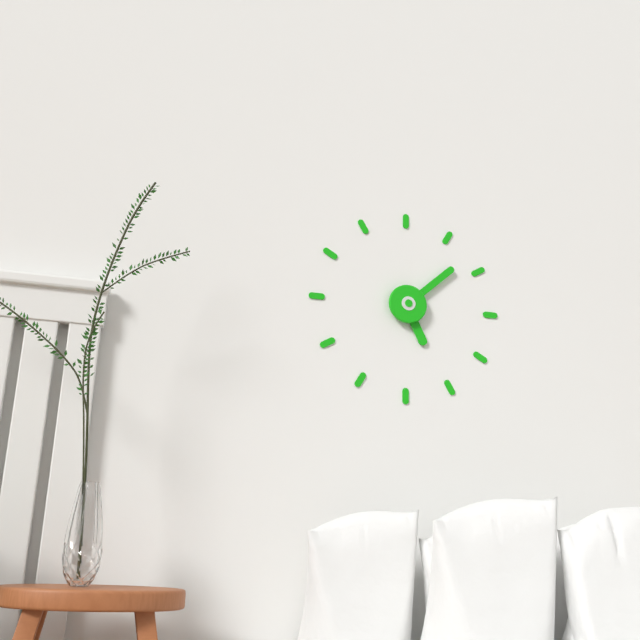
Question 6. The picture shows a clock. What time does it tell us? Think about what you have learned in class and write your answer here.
5:08
